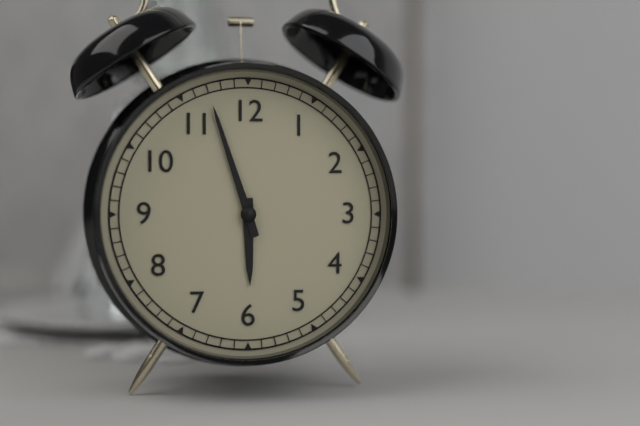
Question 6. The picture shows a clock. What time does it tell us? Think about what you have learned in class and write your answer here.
5:57
